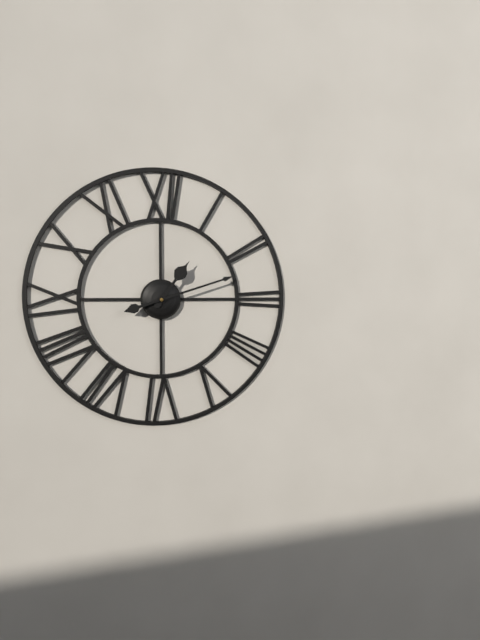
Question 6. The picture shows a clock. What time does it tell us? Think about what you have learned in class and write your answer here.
1:12
